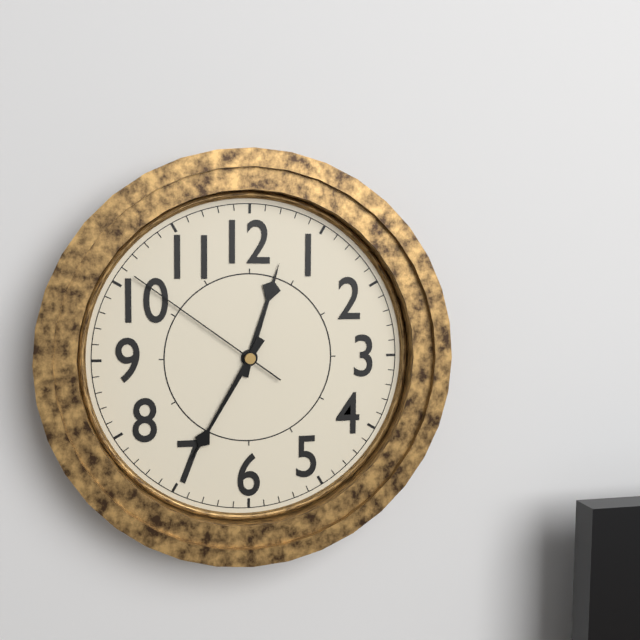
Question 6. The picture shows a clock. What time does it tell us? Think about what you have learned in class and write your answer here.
12:35:51
